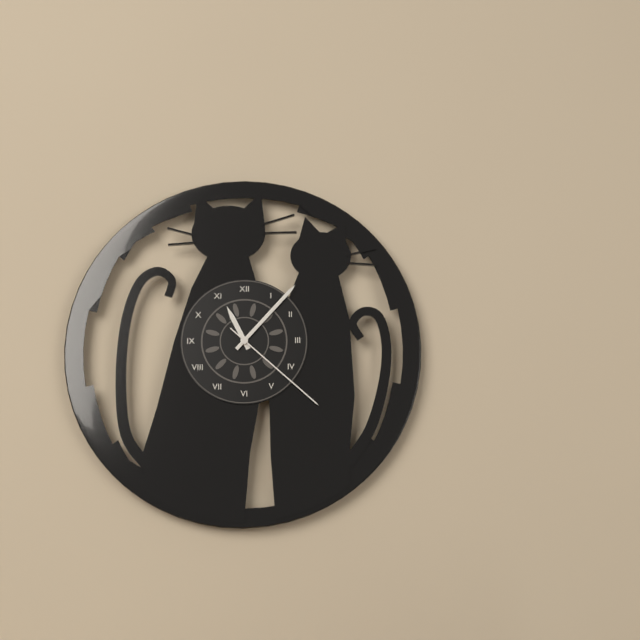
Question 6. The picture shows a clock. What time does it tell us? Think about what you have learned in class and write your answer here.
11:07:22
